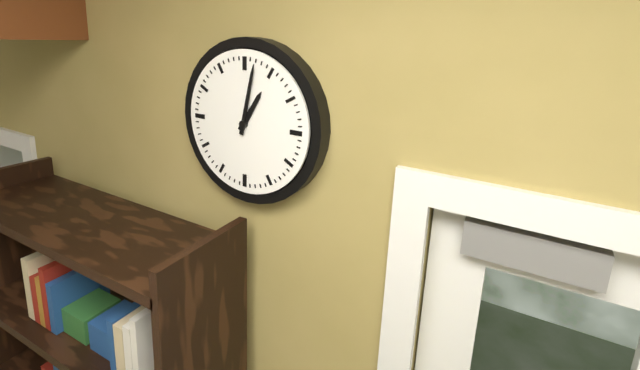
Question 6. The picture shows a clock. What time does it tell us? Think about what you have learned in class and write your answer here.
1:02
